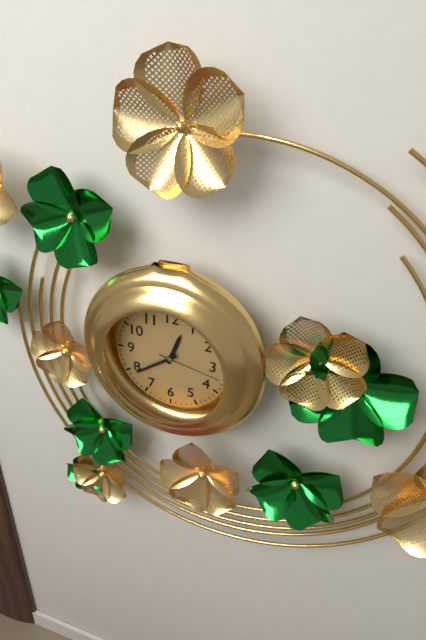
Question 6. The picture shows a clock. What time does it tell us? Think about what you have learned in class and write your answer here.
12:39:17
